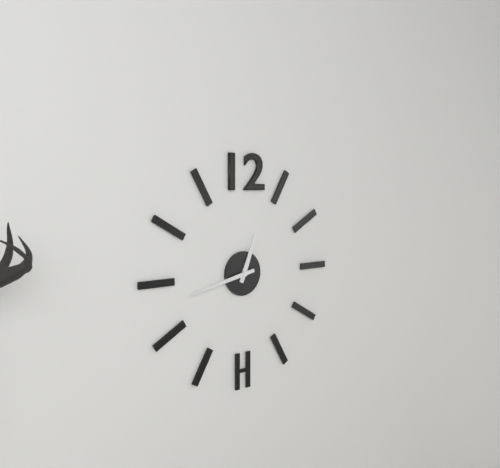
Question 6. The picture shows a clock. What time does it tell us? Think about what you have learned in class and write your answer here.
12:43
